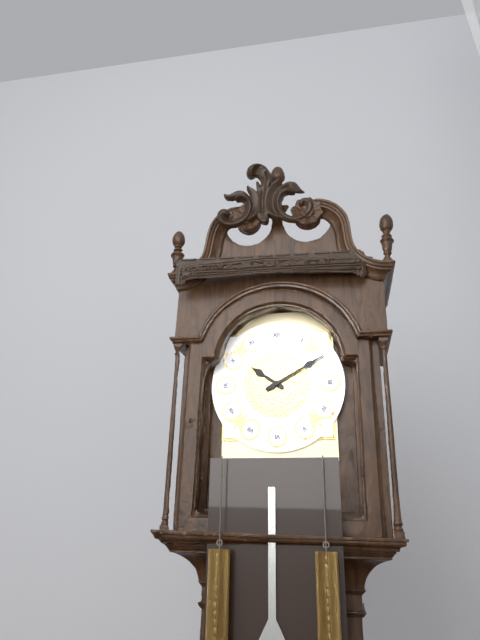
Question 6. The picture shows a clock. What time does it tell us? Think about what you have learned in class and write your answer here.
10:10
